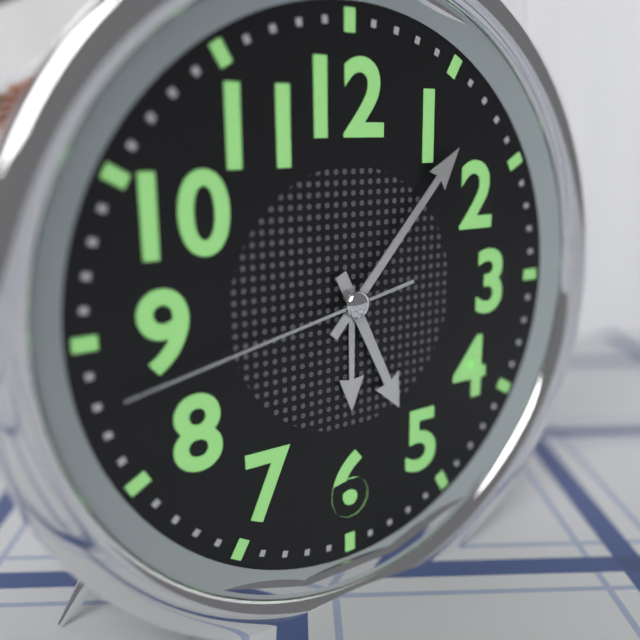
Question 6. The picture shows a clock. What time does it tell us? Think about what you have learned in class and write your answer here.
5:07:43
